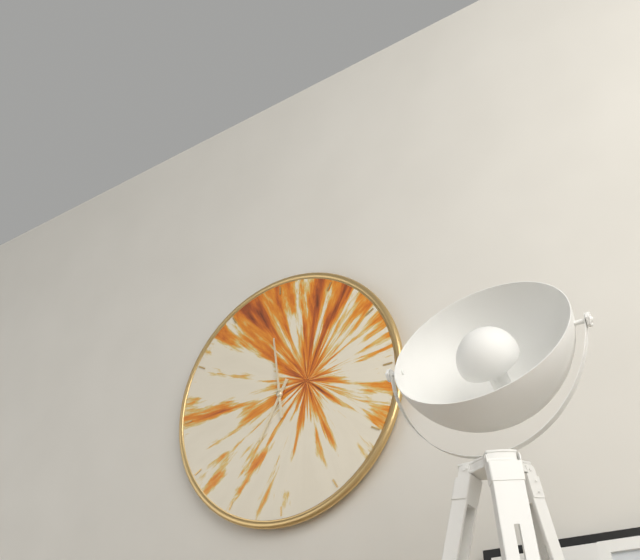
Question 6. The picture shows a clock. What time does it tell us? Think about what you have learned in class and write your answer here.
6:59
